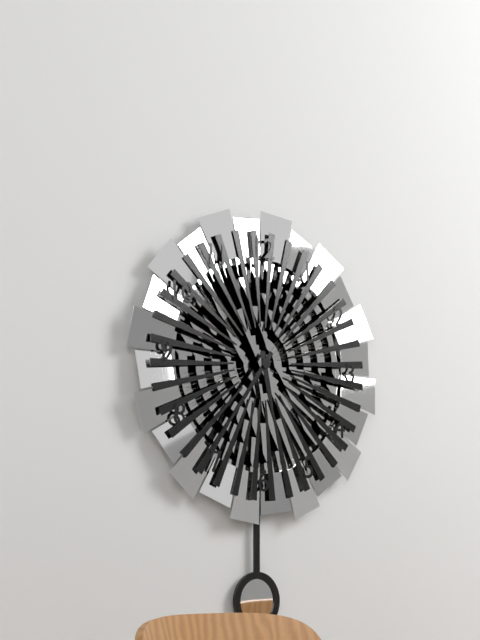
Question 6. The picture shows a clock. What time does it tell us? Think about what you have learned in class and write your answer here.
5:36
